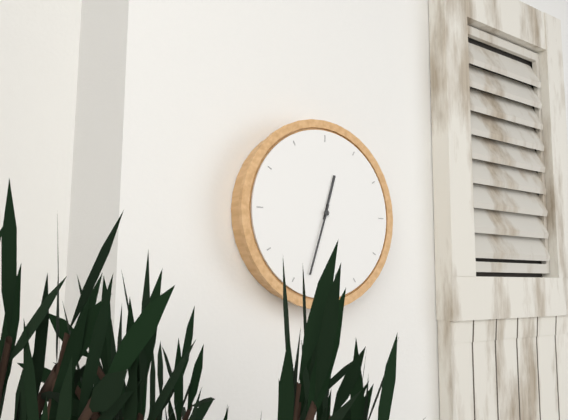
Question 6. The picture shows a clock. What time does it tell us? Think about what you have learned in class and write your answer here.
12:33
